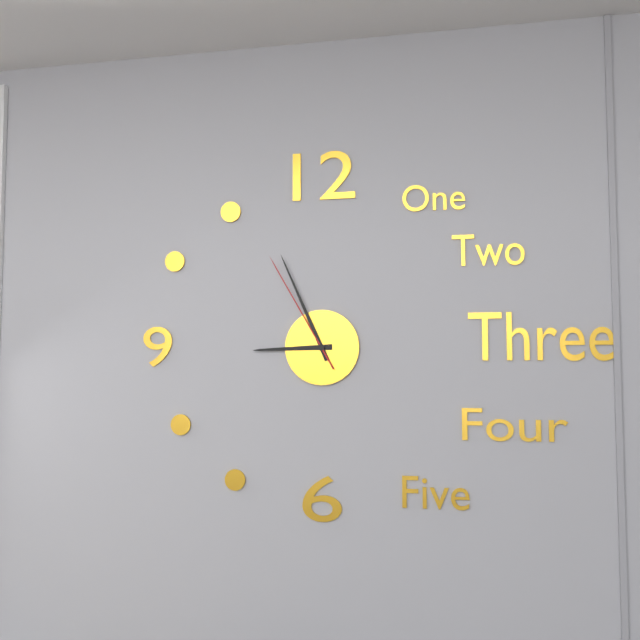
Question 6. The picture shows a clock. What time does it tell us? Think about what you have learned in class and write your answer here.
8:56:55
